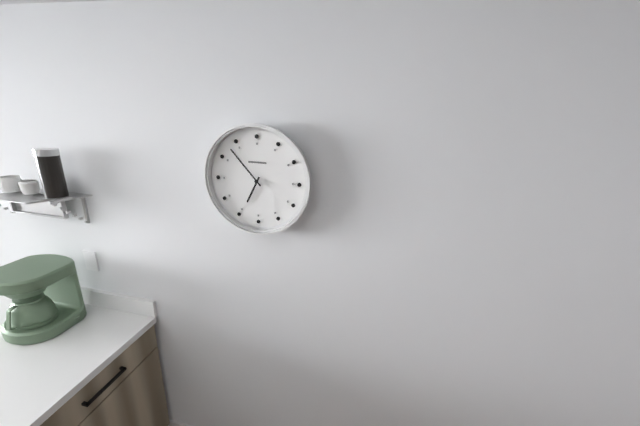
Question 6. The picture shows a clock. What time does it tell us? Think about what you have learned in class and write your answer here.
6:53
